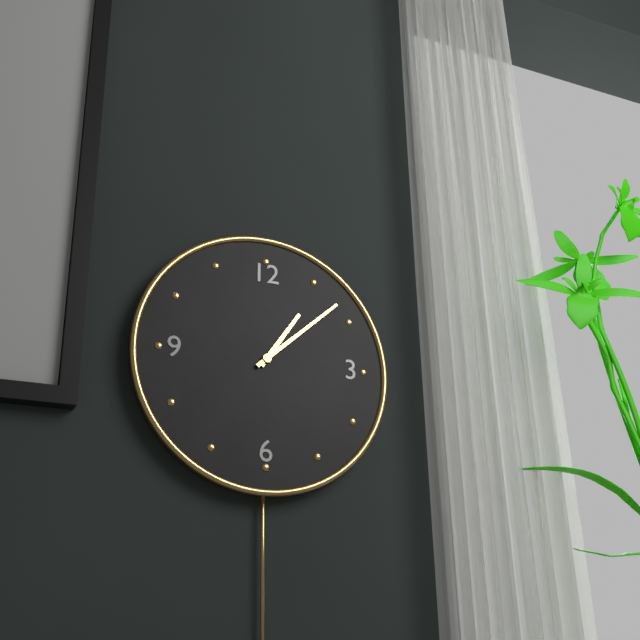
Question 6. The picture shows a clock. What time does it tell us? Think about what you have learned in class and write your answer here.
1:08
